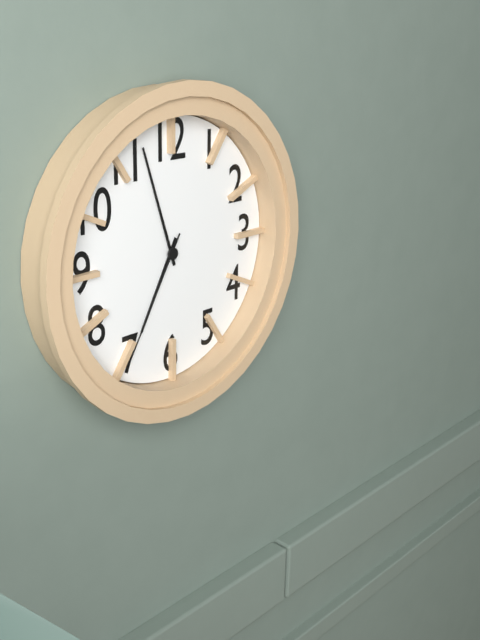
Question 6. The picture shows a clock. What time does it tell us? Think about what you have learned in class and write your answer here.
6:57:35
